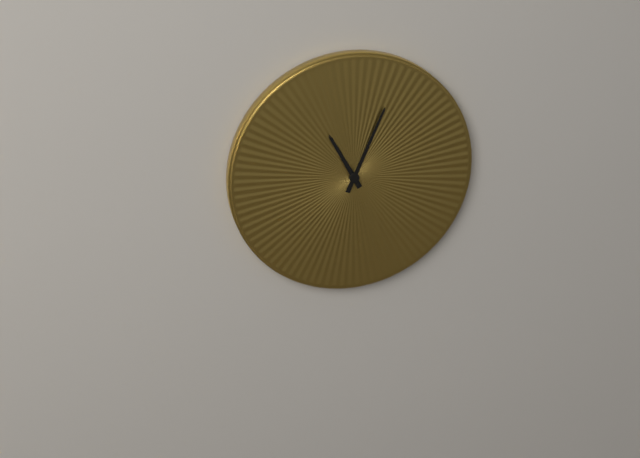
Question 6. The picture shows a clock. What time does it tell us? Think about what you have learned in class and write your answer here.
11:04
